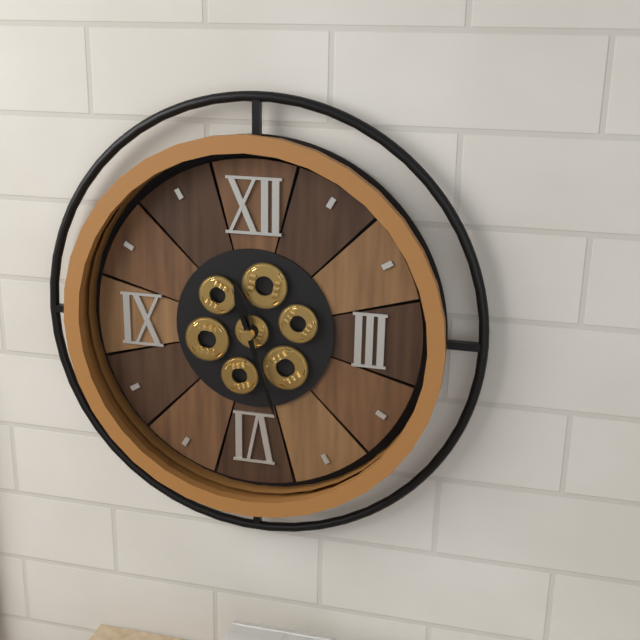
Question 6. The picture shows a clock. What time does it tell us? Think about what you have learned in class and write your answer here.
11:27
